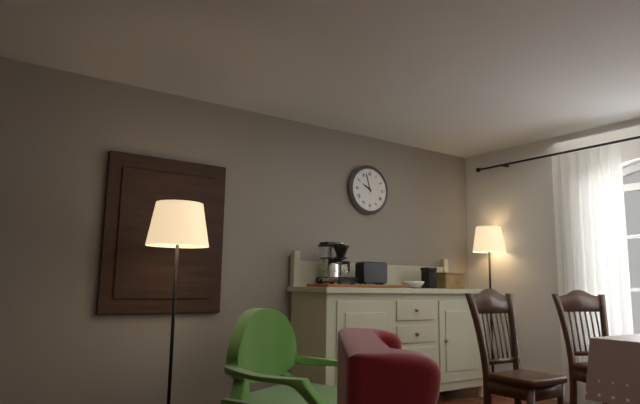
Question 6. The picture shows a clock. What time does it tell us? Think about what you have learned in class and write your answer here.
9:57
